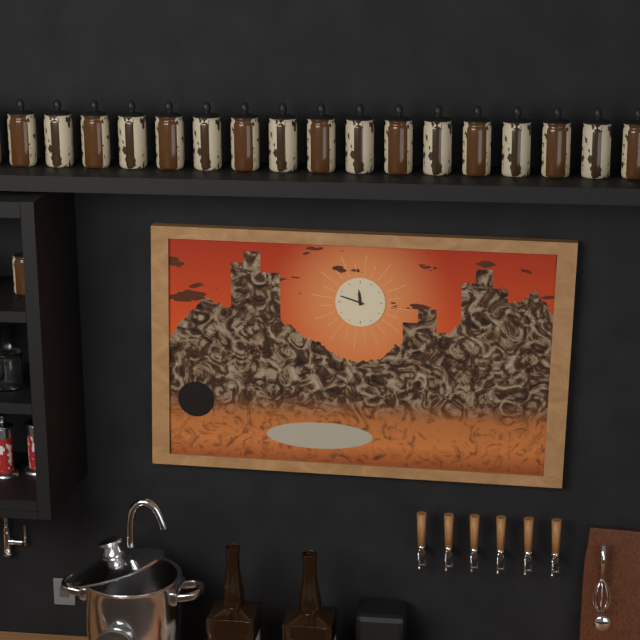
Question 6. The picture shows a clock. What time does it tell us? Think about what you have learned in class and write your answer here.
11:48
